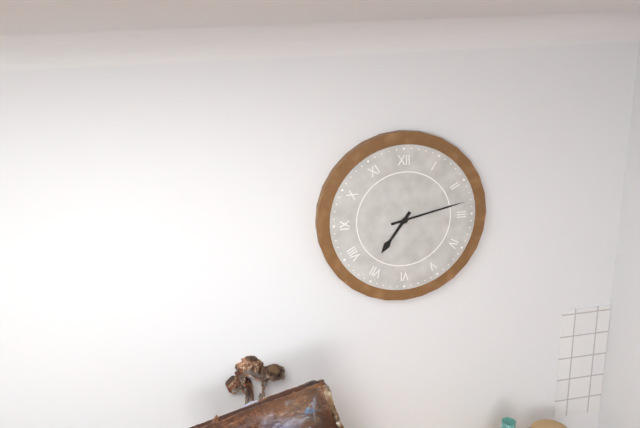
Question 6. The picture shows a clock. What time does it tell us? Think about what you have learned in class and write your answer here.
7:13
